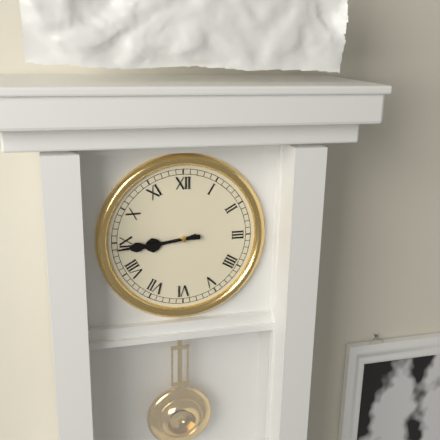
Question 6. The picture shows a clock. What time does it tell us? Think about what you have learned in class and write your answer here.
8:44
